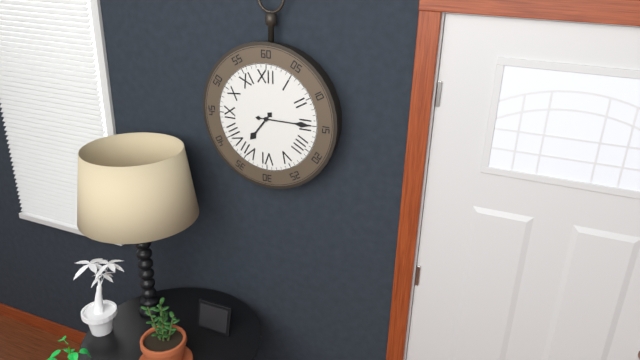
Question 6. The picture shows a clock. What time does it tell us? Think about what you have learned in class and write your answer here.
7:15
